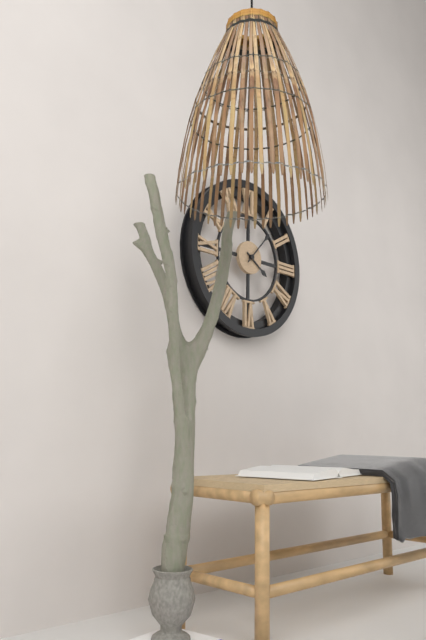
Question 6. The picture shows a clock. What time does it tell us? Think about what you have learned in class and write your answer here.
4:07
